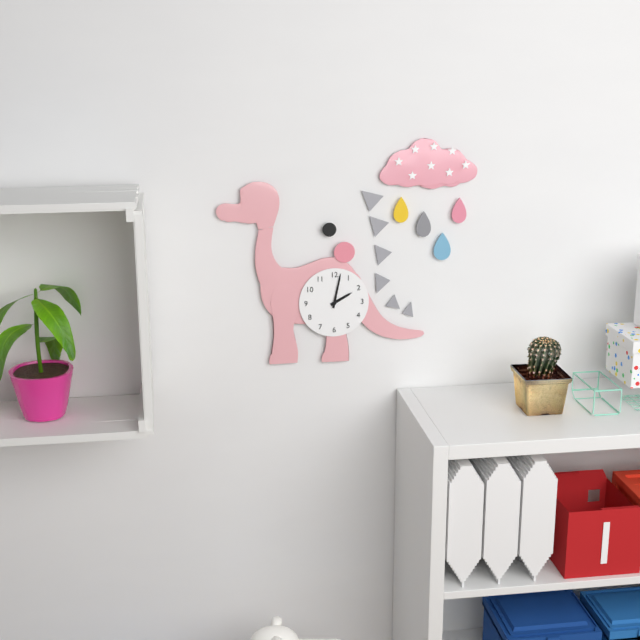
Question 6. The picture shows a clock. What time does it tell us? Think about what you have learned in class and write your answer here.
2:02
